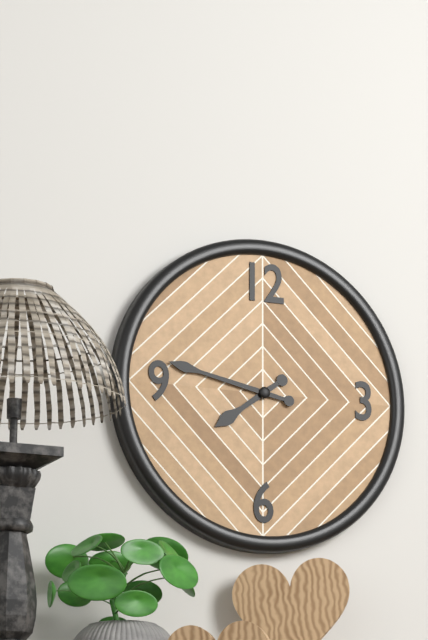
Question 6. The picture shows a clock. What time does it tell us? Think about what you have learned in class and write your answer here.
7:47
